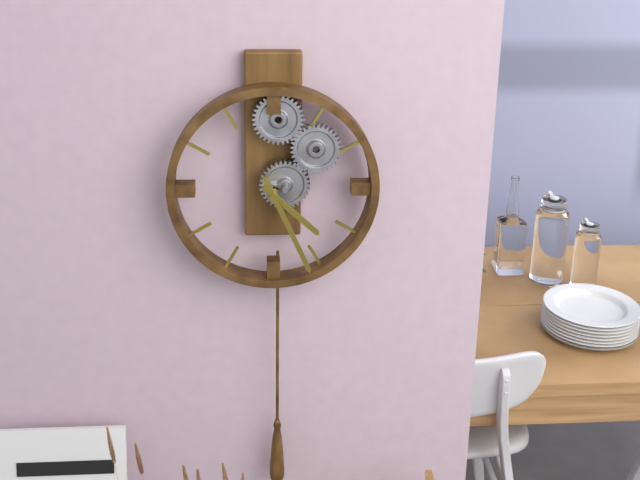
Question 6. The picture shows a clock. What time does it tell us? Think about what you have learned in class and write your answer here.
4:26
